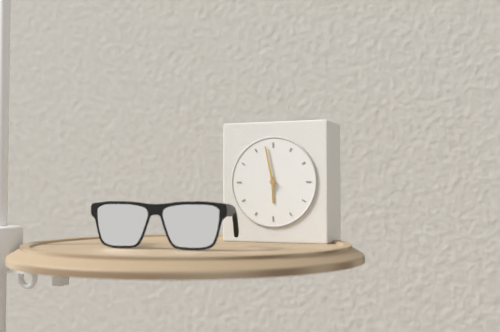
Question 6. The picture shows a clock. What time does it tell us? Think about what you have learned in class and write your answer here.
5:58
